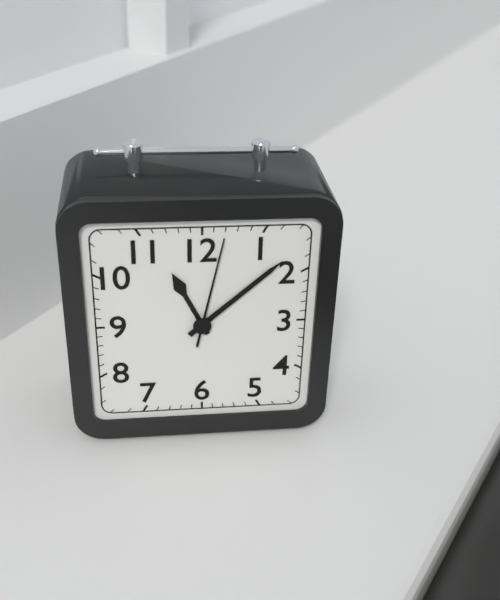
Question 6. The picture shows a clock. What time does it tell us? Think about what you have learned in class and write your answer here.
11:08:02
